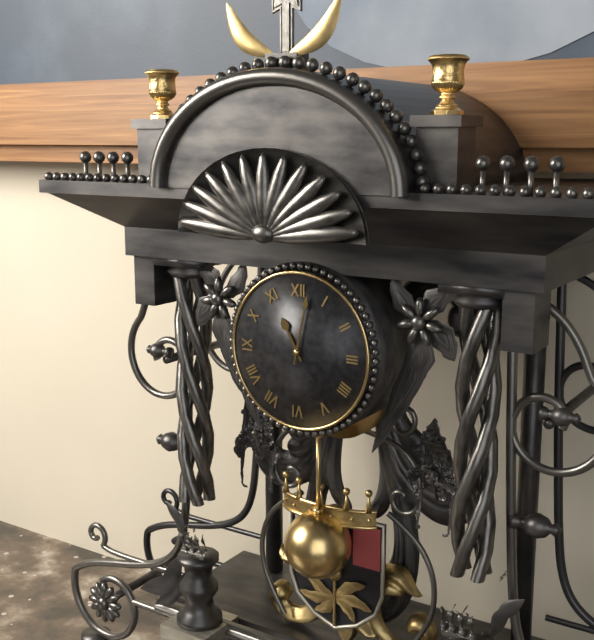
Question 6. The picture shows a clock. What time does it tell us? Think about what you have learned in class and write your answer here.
11:02
